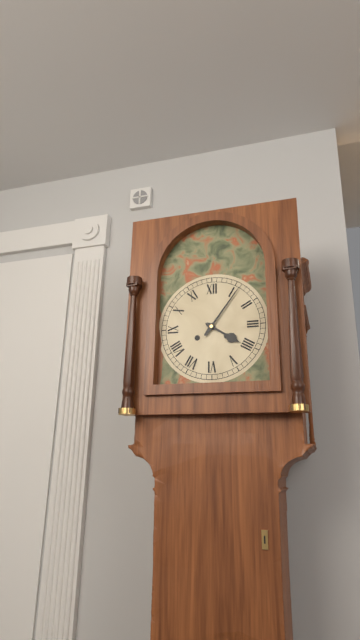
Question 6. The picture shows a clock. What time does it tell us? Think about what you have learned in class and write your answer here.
4:06
